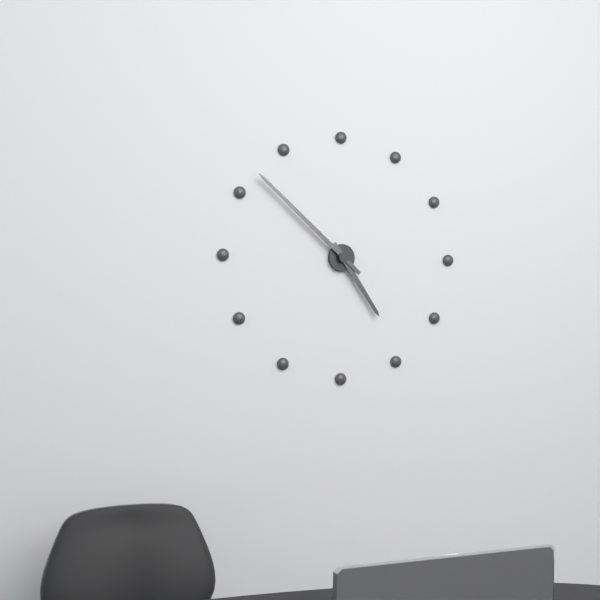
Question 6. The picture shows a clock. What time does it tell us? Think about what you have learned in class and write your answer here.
4:52
